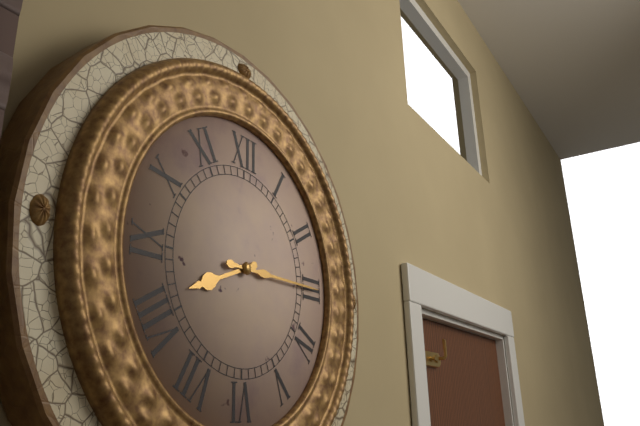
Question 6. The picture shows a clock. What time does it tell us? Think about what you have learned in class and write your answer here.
8:15
